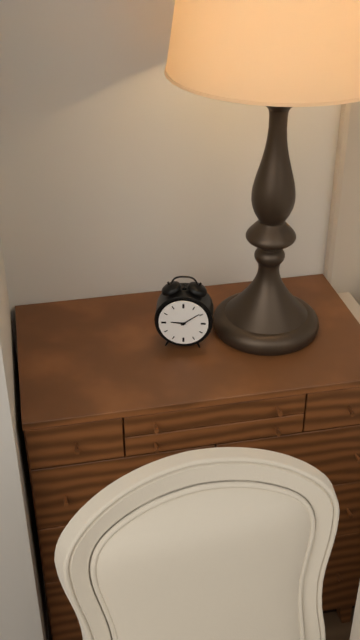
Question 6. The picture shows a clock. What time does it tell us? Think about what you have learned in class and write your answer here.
9:09
